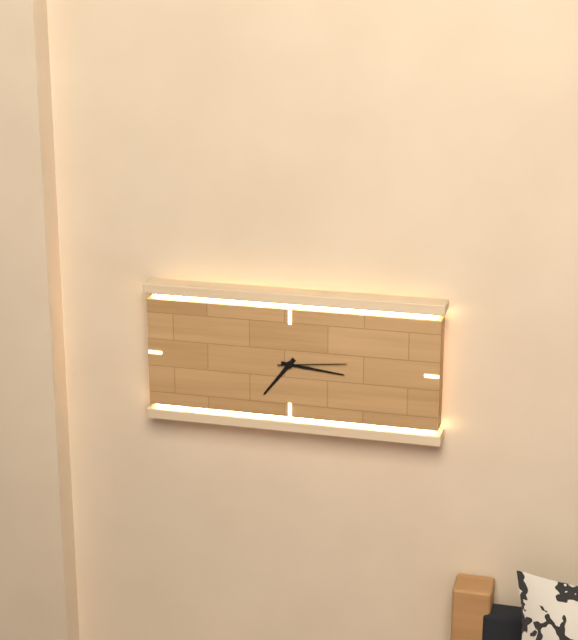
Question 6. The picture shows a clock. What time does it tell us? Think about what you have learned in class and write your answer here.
7:16:14
